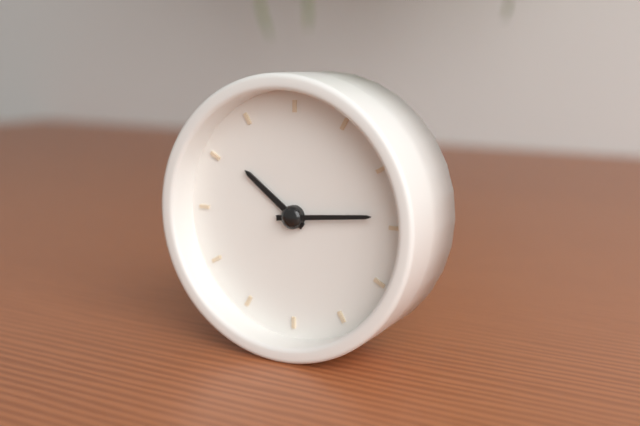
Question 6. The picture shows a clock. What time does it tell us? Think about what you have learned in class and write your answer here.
10:14
